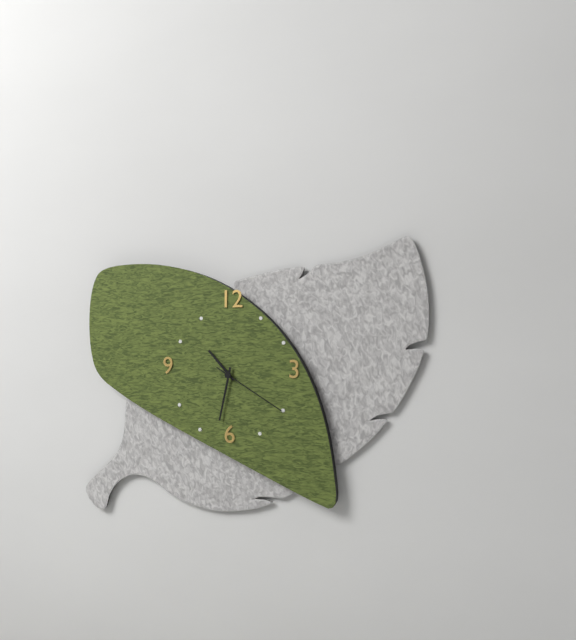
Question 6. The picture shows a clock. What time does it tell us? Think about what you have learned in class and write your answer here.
10:32:20
